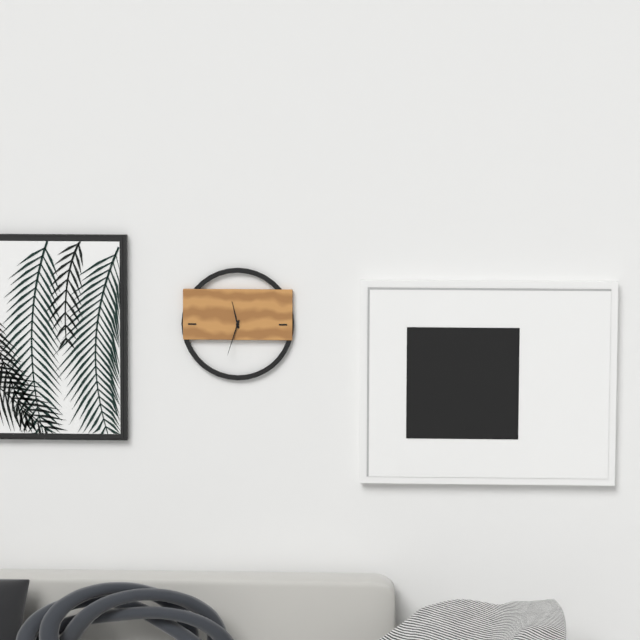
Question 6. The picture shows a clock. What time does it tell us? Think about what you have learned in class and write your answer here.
11:33
